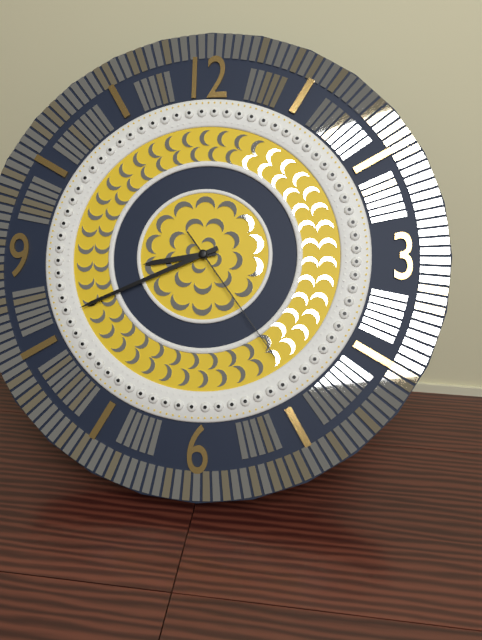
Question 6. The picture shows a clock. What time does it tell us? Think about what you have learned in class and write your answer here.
8:41:24
